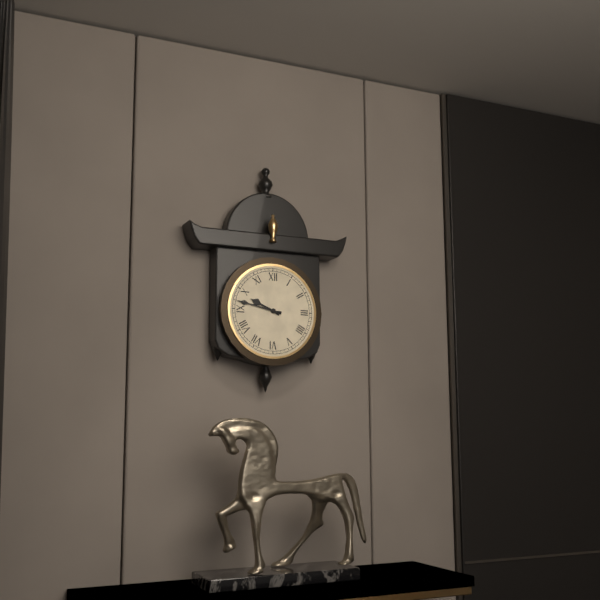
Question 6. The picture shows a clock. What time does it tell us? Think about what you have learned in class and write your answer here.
9:47
